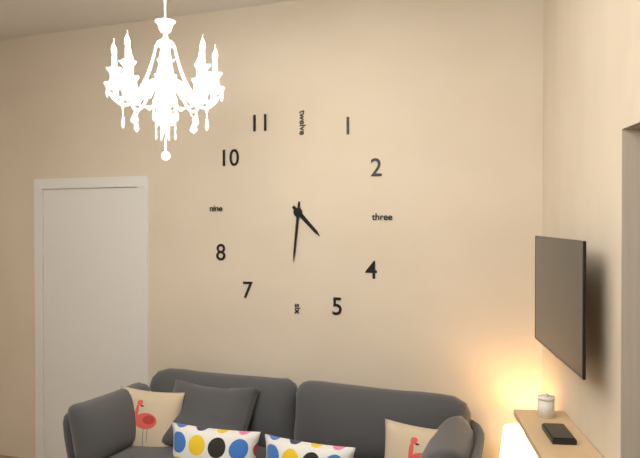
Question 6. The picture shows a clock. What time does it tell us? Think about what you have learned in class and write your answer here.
4:31
